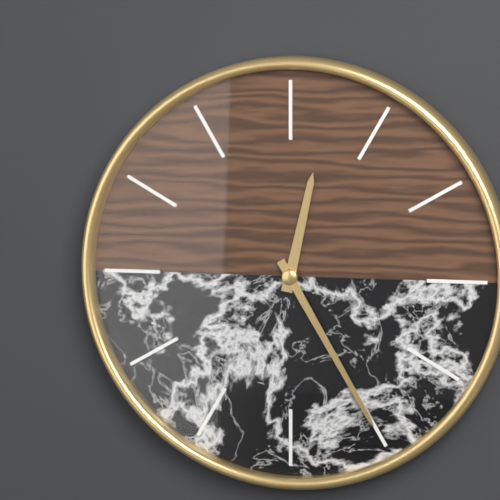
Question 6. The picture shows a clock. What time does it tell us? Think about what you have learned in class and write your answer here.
12:25
